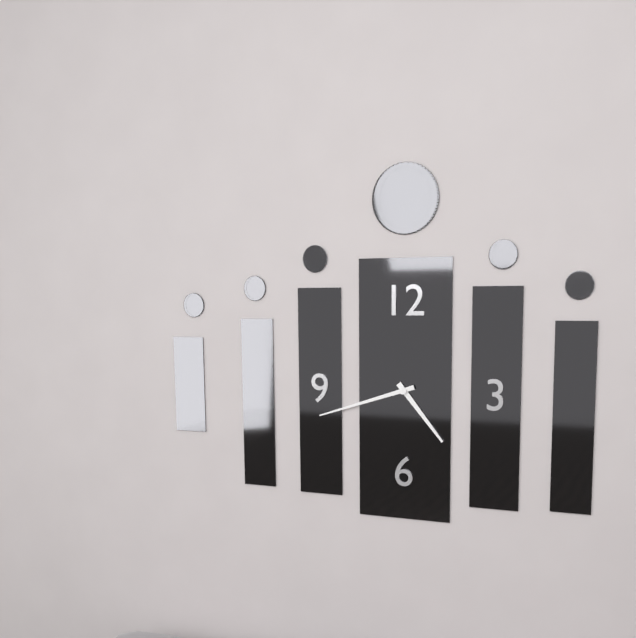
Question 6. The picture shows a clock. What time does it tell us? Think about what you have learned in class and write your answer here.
4:42
